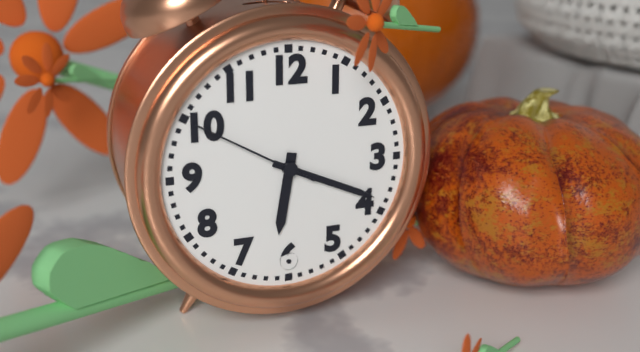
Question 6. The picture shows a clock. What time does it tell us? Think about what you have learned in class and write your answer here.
6:19:50
